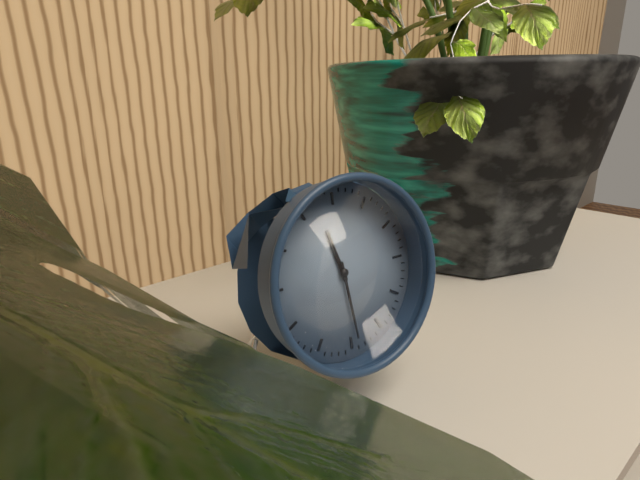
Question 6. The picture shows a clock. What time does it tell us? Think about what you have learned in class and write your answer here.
11:29
